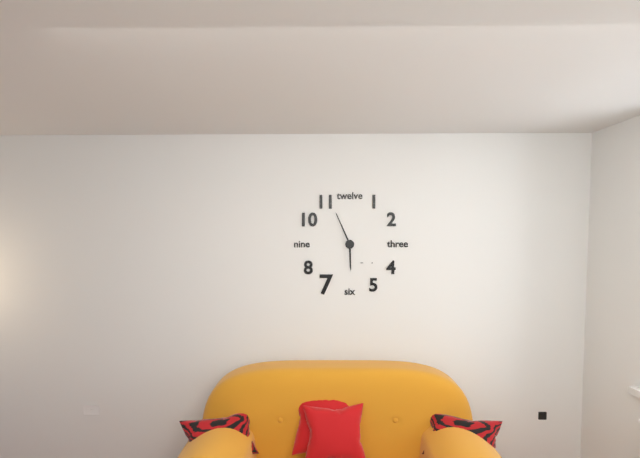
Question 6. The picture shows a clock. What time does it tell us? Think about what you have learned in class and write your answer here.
5:56
